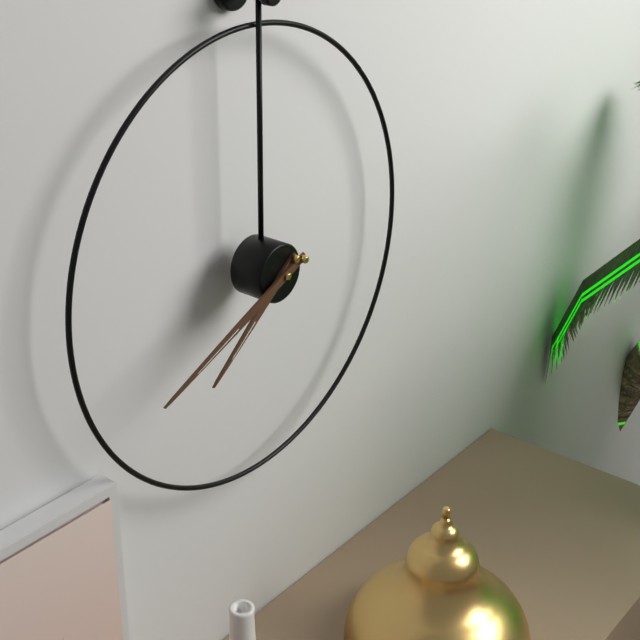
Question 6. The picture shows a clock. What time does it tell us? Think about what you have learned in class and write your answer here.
7:41
